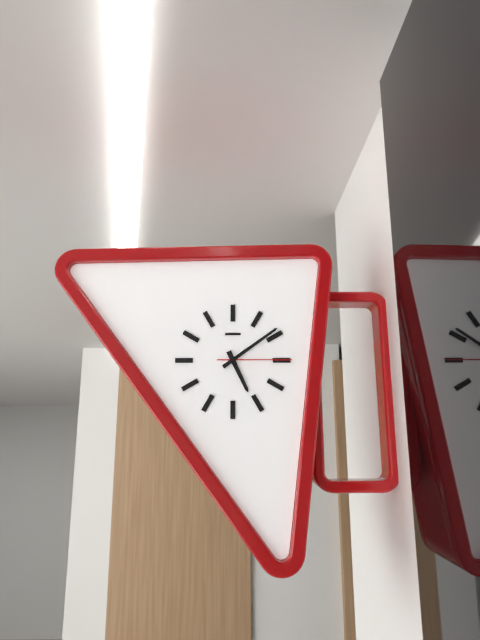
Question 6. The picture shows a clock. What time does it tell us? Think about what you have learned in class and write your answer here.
5:09:15
